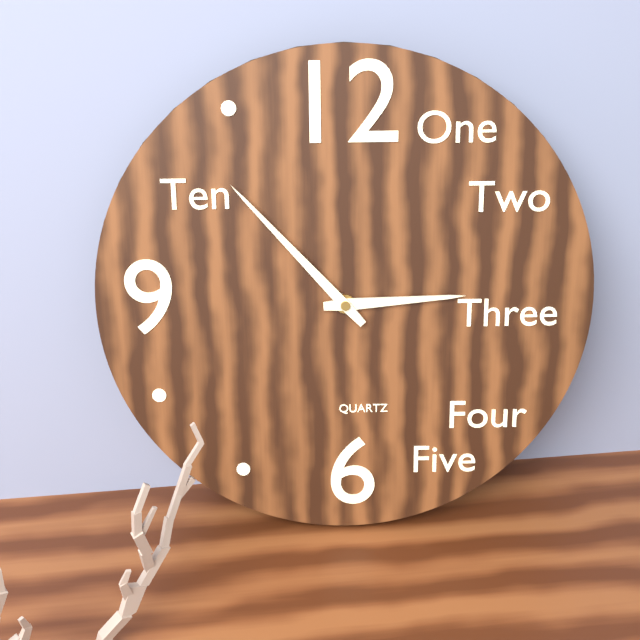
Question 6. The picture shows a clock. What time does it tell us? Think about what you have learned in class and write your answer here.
2:53
